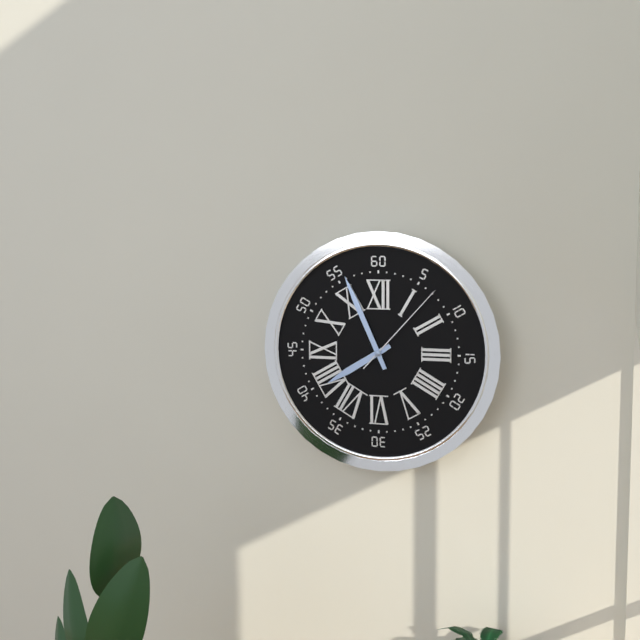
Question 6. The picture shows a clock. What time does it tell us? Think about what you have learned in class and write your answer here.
7:56:07
